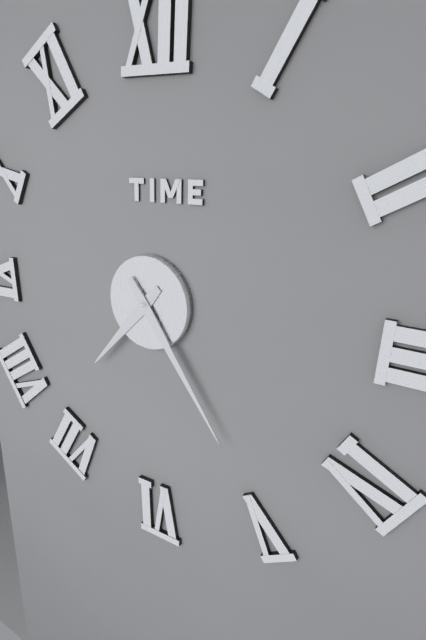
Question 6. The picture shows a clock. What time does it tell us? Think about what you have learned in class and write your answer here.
7:24
